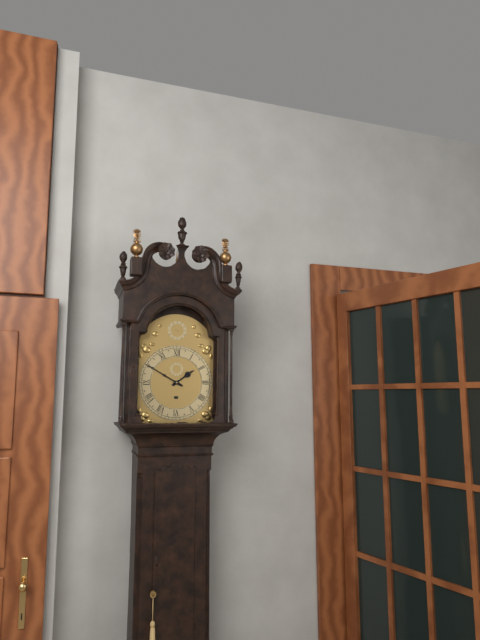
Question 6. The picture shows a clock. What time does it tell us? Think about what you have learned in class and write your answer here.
1:50
